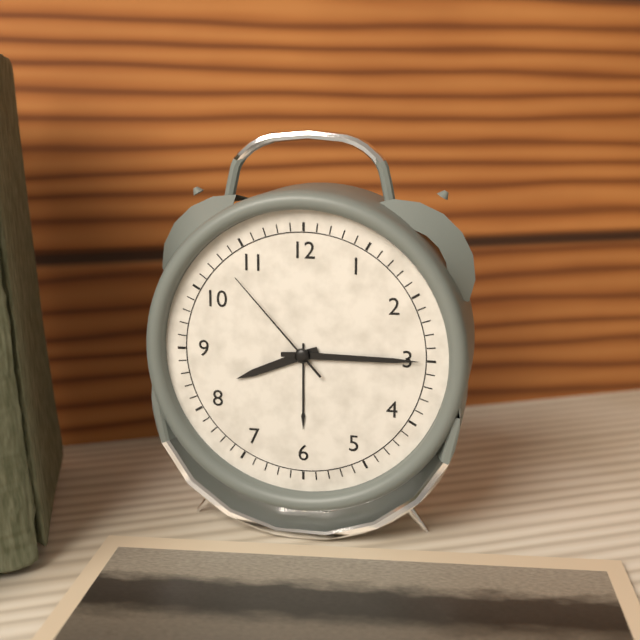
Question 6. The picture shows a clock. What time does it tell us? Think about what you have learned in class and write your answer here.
8:15:53
